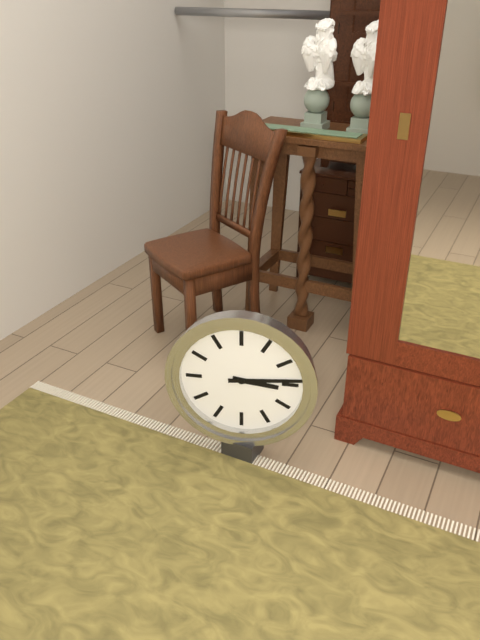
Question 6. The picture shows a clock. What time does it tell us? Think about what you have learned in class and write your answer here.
3:14
